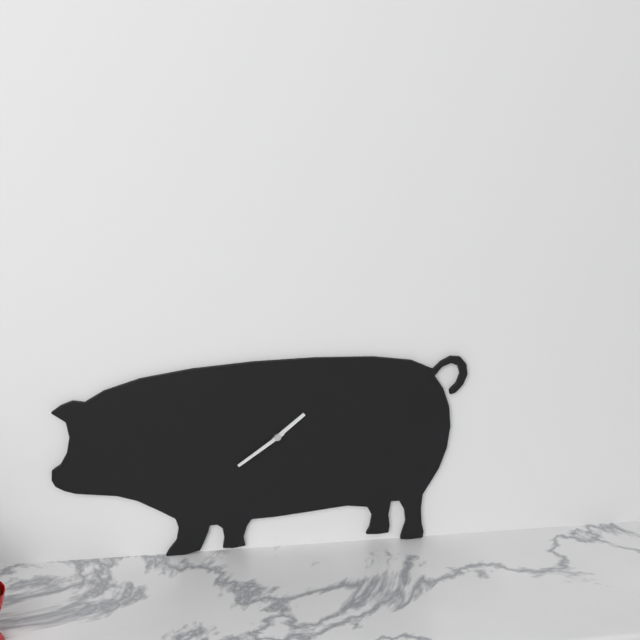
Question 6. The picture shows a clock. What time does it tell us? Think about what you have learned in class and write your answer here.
1:39
